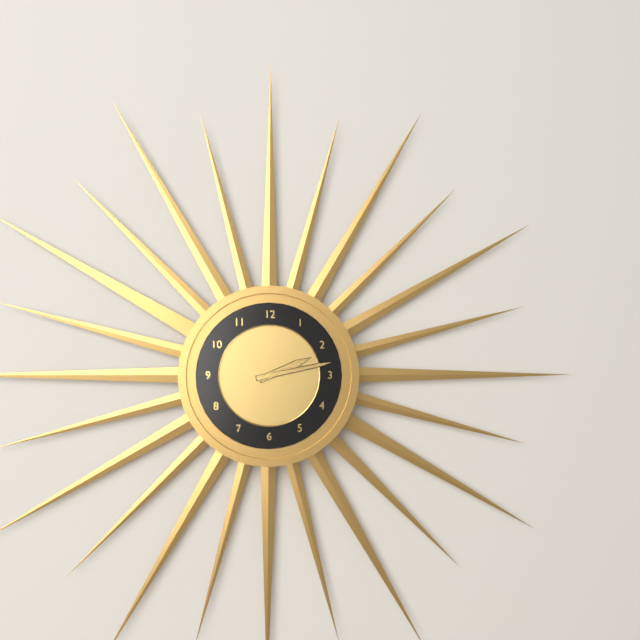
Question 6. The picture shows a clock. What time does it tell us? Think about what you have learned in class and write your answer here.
2:13
